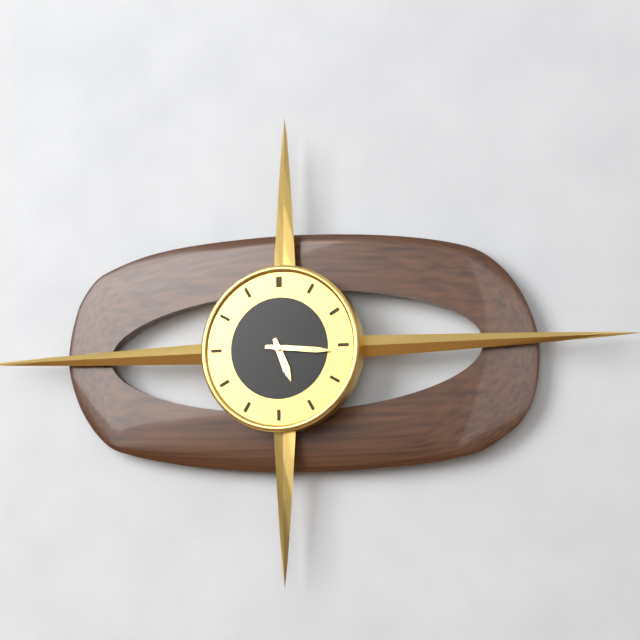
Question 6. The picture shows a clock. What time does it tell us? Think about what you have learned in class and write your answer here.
5:16
